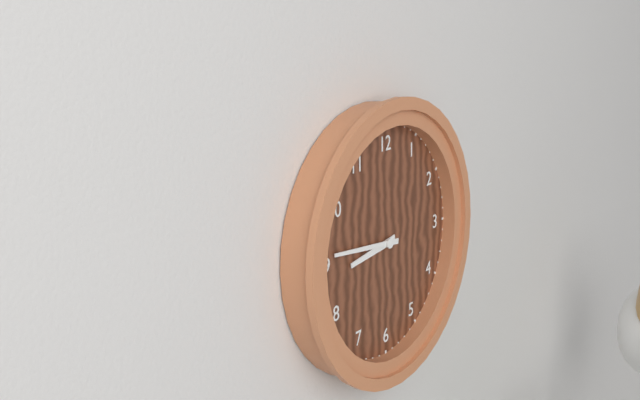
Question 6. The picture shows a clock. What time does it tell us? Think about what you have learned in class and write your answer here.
8:46
